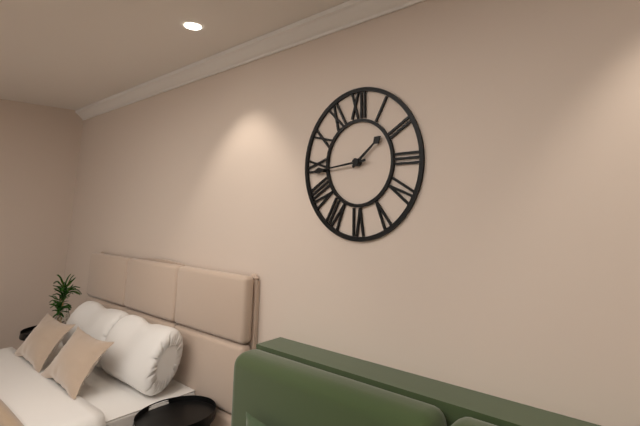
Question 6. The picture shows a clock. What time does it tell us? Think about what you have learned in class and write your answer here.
1:44
